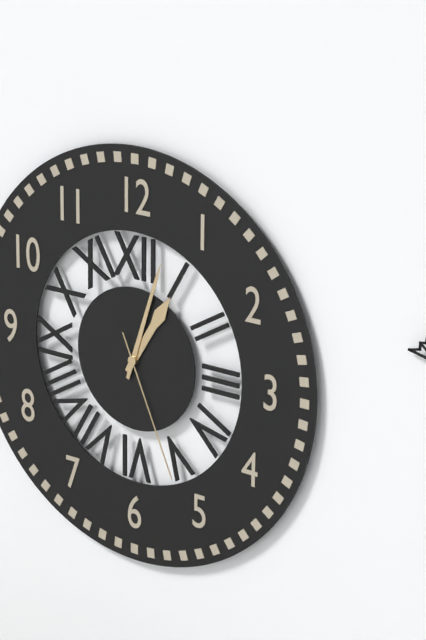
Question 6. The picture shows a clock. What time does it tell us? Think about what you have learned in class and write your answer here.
1:03:26
